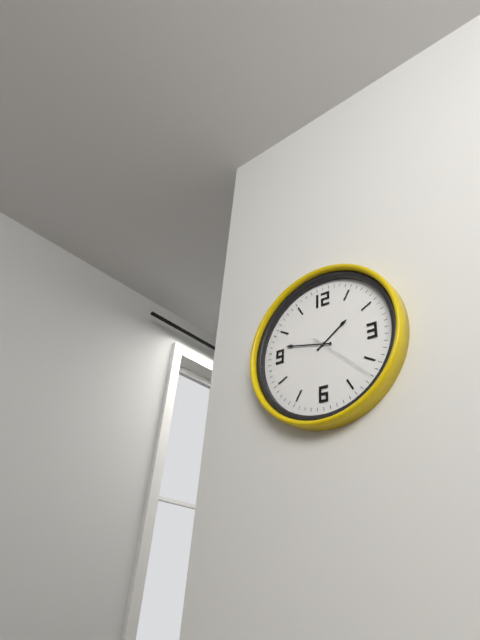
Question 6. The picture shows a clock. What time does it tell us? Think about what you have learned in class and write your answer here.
1:47:22
